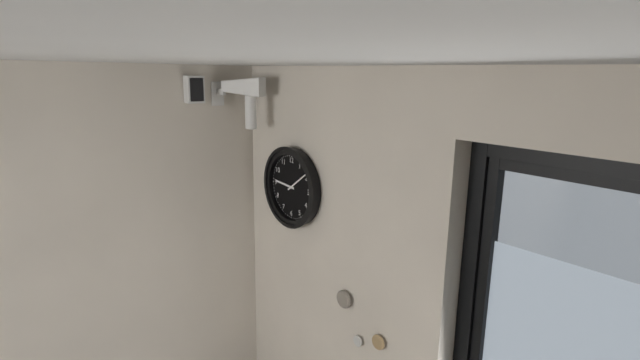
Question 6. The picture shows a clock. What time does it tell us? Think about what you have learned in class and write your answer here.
9:09
